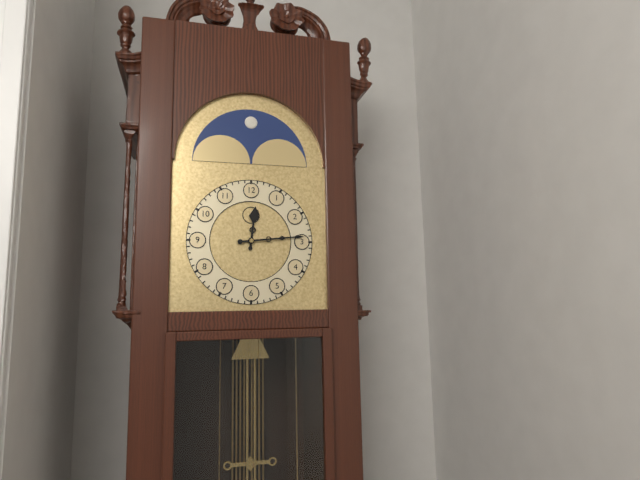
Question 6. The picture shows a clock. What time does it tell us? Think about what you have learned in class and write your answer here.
12:14
